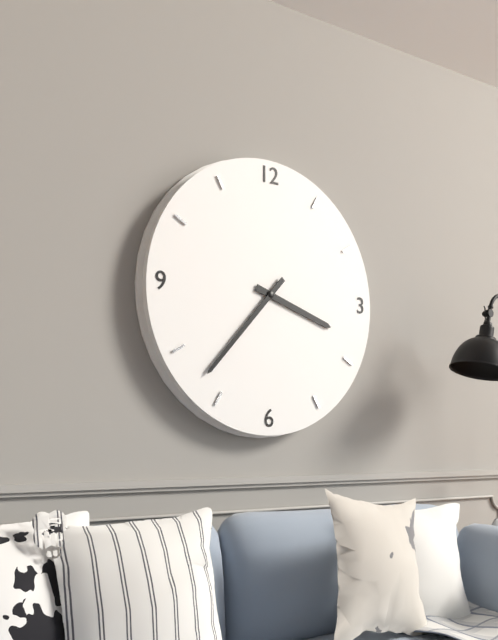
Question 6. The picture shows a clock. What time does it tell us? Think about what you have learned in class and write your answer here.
3:37
